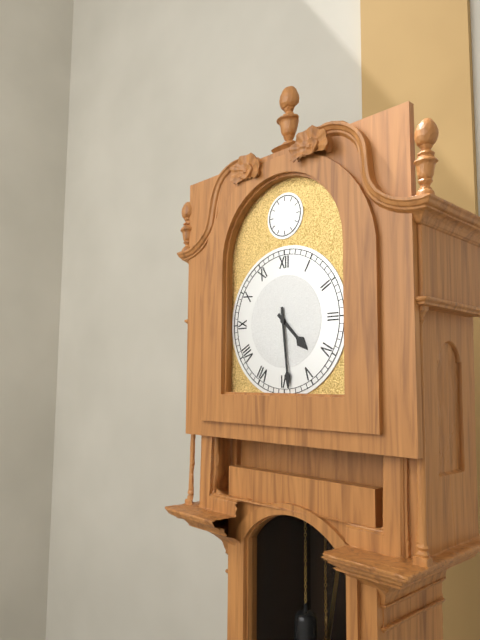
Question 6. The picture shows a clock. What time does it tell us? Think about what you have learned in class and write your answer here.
4:29
